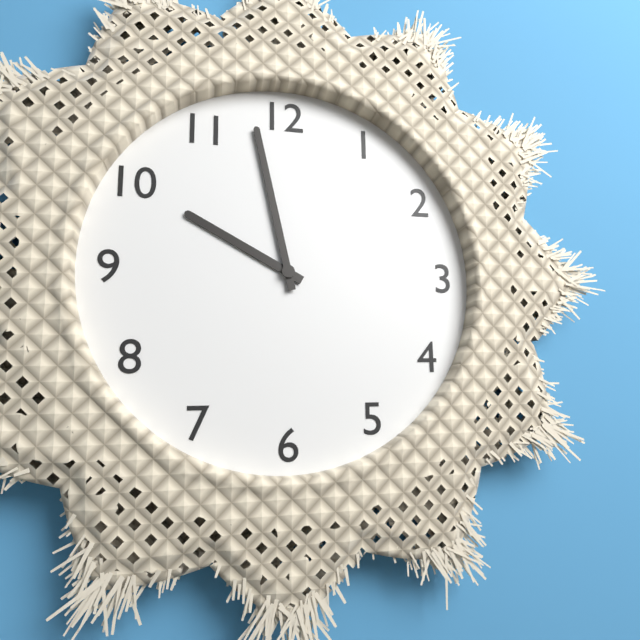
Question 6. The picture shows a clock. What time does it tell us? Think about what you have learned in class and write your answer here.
9:58
